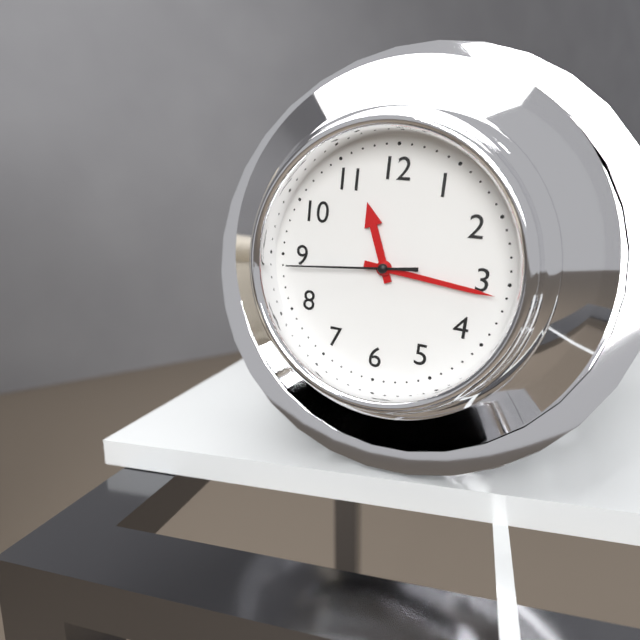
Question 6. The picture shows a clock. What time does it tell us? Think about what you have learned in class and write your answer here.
11:16:44
